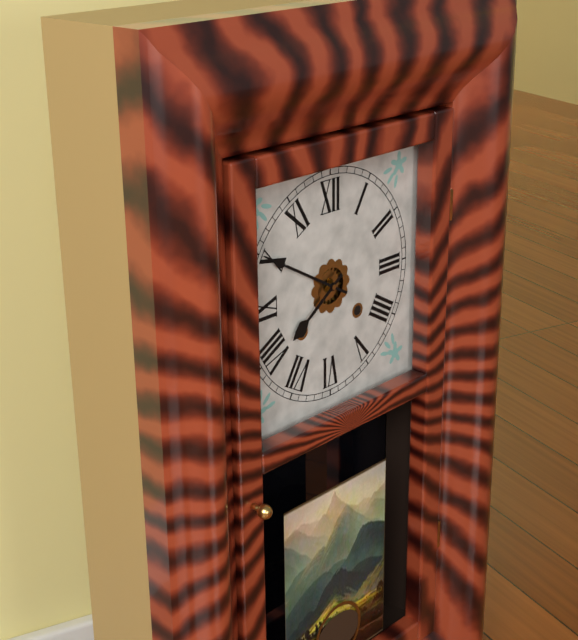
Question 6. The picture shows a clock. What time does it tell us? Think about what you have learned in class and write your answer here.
7:50
